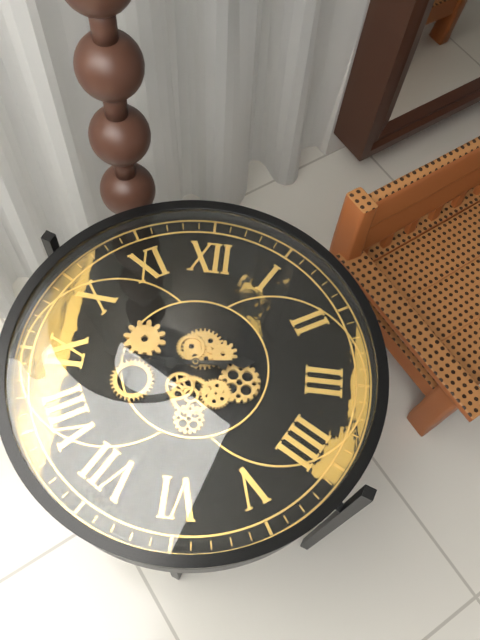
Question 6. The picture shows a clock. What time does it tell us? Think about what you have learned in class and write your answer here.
2:45
